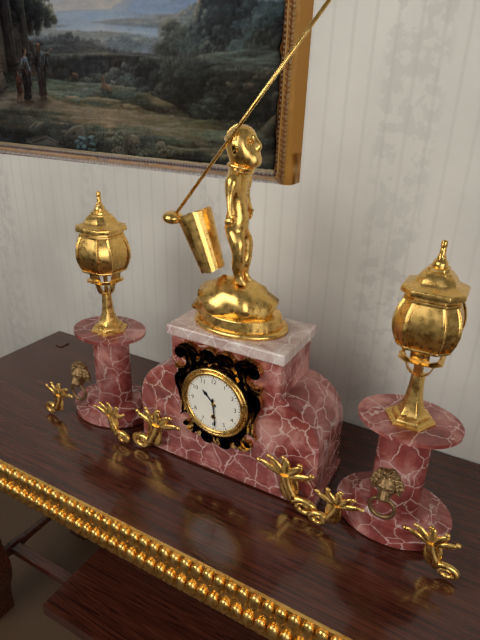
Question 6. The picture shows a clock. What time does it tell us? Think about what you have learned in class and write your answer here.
10:29
